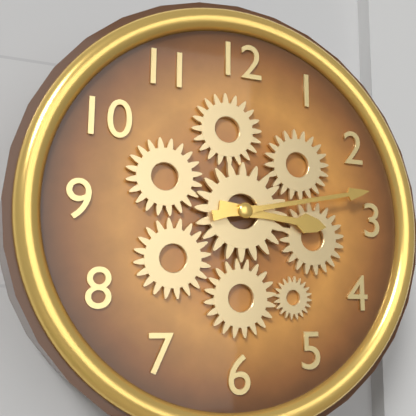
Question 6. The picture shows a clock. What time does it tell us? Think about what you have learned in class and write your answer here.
3:13
